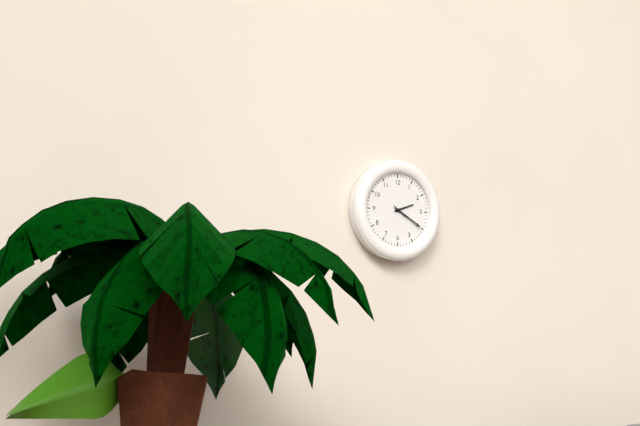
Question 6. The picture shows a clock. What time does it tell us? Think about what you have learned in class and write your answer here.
2:20
